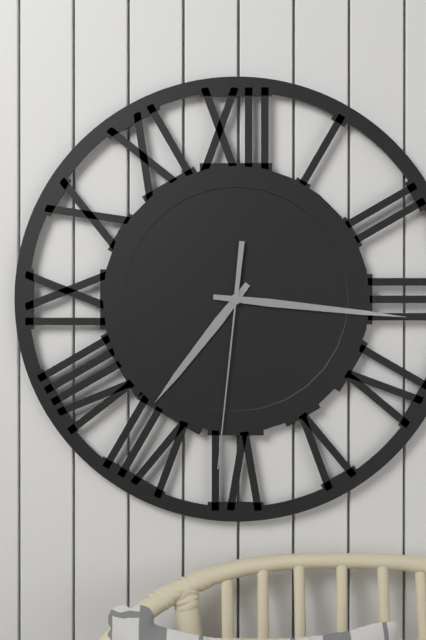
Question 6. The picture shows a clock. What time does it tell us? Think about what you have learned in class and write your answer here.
7:16:31
